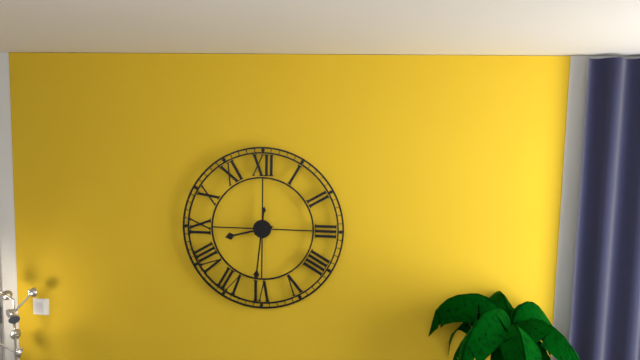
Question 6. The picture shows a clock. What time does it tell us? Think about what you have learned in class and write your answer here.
8:31
